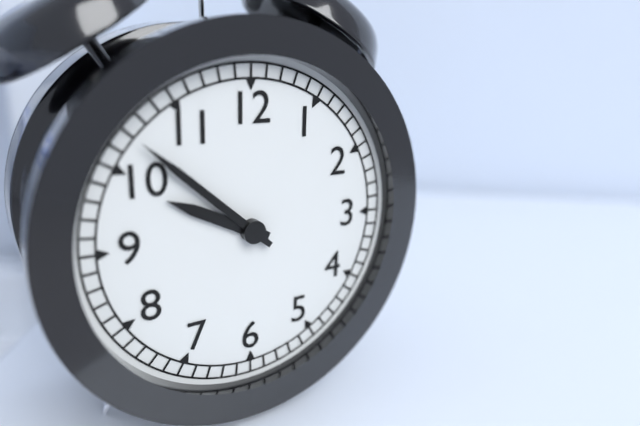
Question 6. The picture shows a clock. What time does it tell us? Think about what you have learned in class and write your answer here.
9:52
